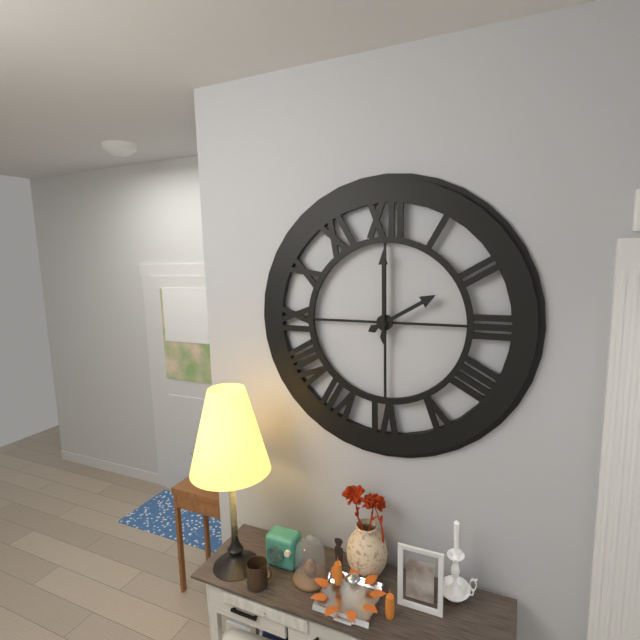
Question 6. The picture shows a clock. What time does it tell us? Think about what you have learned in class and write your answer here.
2:00
